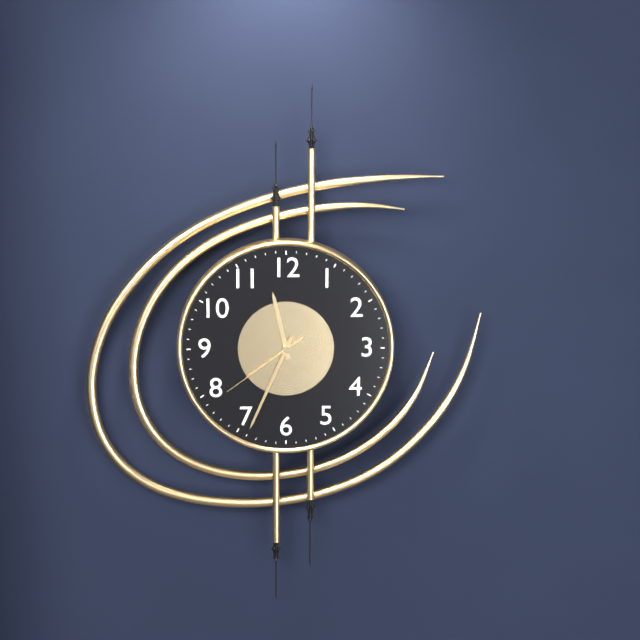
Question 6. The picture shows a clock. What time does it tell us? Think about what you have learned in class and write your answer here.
11:34:39
